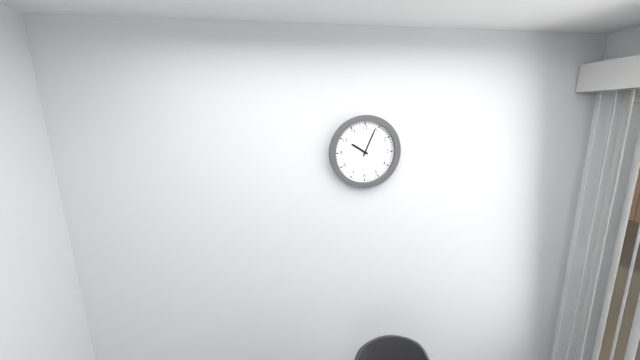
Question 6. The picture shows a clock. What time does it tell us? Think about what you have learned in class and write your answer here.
10:04
